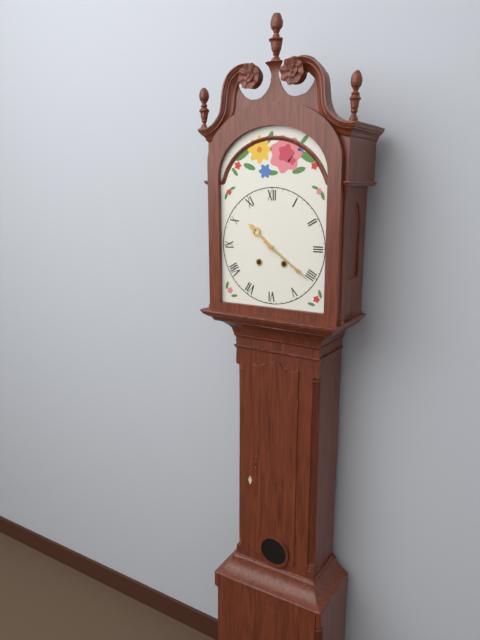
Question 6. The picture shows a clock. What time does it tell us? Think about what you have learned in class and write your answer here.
10:21
